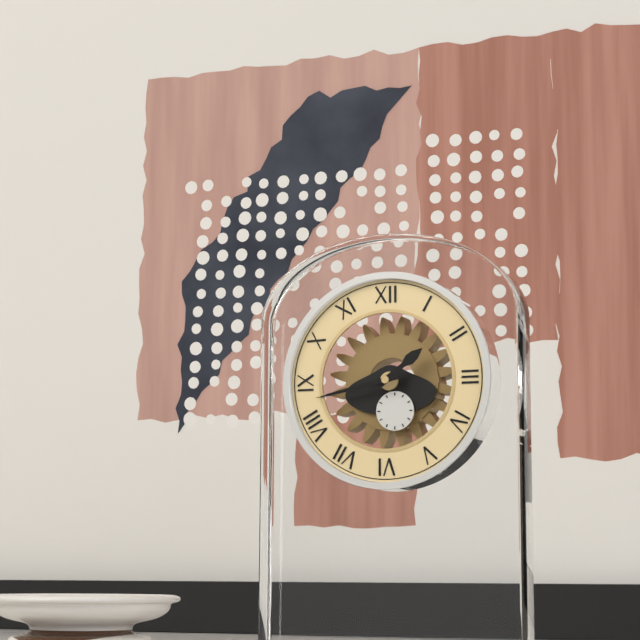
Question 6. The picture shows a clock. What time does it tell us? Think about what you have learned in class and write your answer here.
1:43
